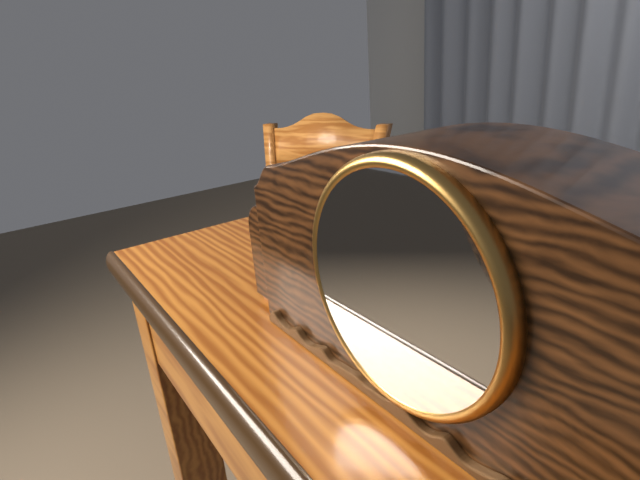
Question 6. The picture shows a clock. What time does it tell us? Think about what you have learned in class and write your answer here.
10:53
